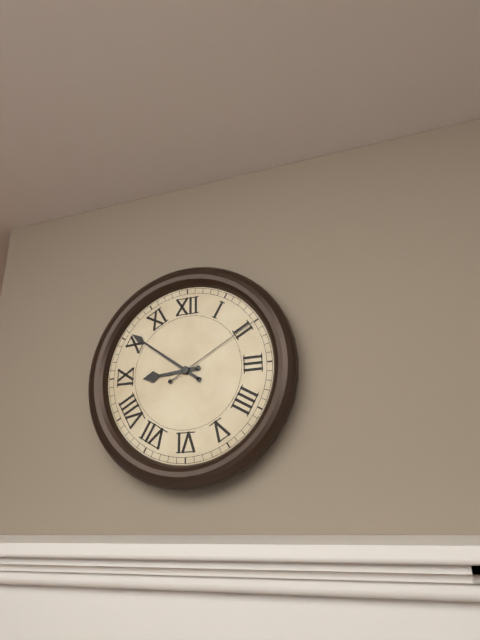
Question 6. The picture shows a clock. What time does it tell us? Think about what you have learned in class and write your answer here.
8:51:10
